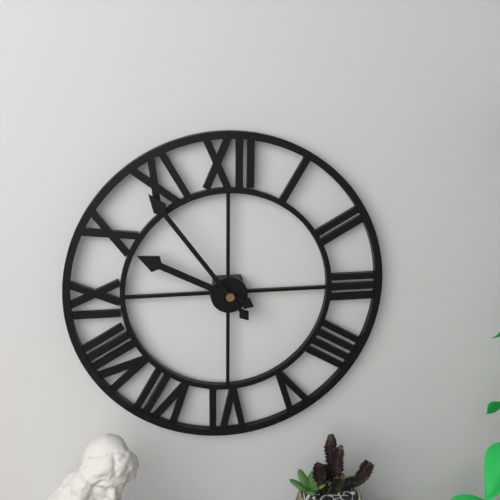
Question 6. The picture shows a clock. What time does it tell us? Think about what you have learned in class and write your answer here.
9:54
